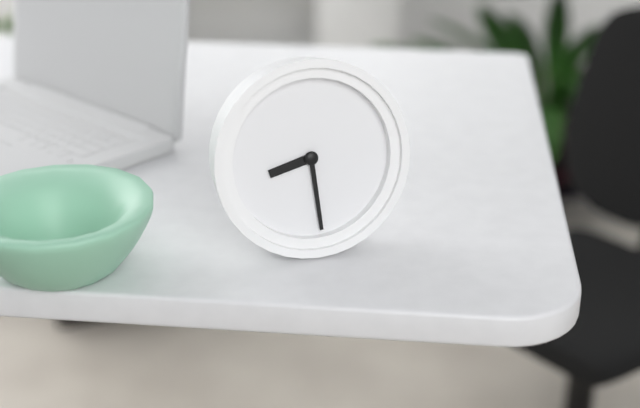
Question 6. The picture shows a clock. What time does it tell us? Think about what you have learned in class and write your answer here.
8:29
